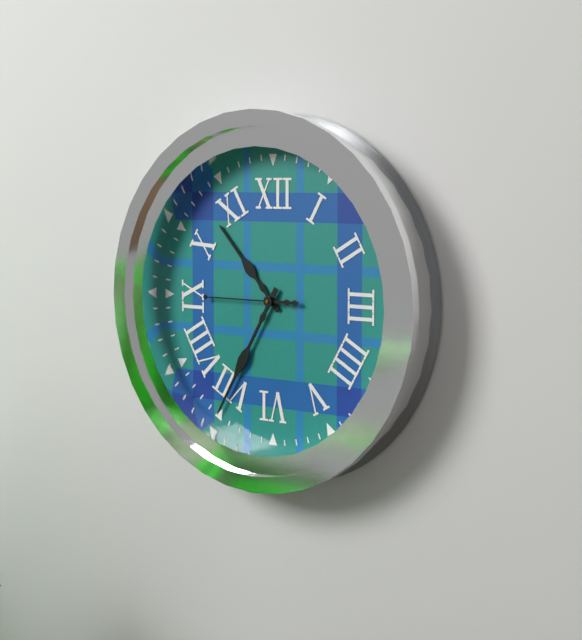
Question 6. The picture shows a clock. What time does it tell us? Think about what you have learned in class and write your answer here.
10:35:45
